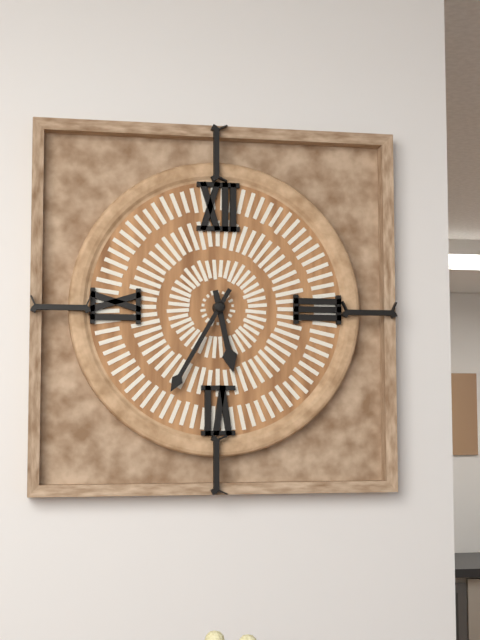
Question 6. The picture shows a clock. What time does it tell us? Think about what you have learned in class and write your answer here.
5:35
